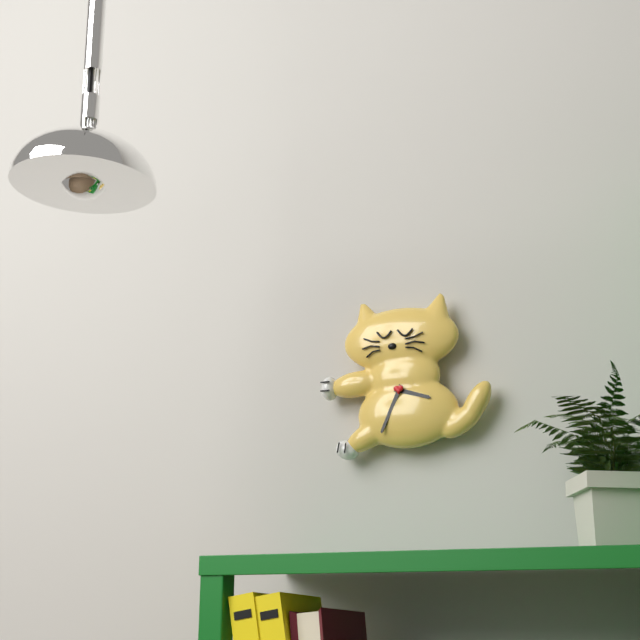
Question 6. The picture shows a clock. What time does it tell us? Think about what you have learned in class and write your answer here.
3:34
